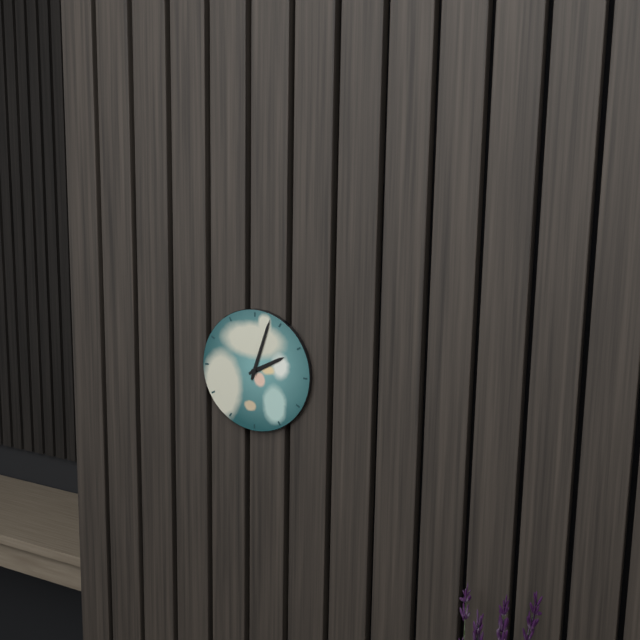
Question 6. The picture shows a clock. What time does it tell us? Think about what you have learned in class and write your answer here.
2:03
